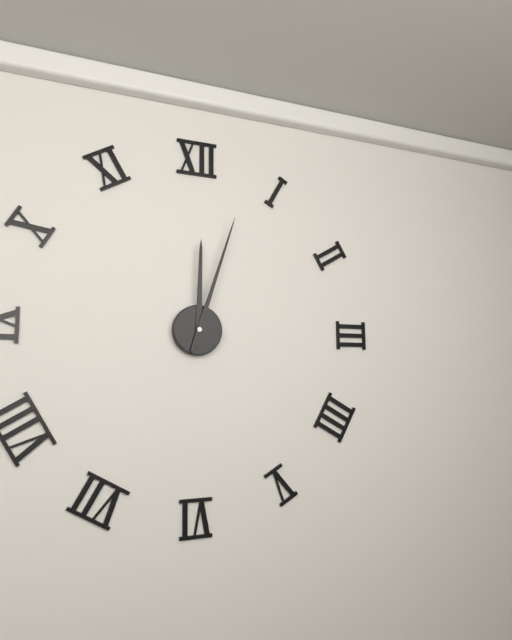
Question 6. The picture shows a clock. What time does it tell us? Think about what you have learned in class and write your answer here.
12:03
